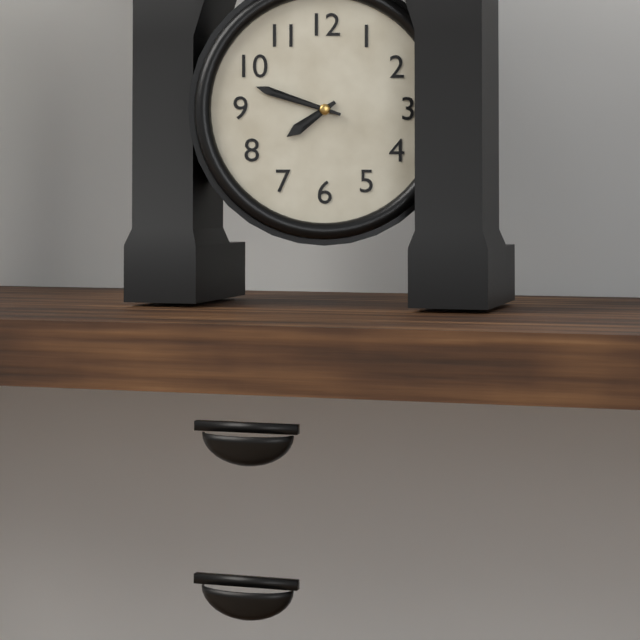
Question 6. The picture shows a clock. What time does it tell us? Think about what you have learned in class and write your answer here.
7:48
